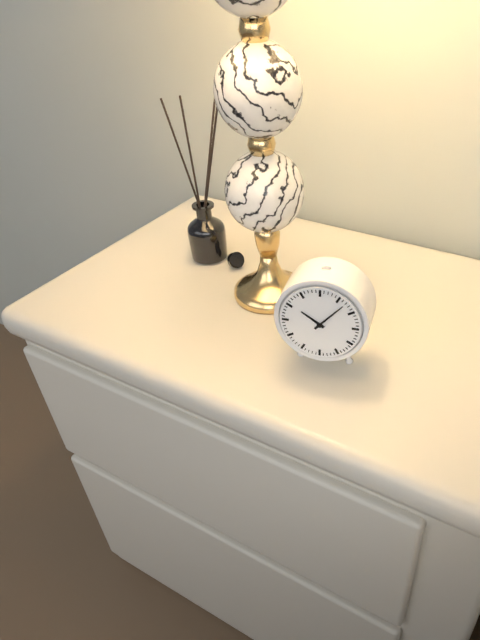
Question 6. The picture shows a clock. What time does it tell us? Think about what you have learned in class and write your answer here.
10:07
